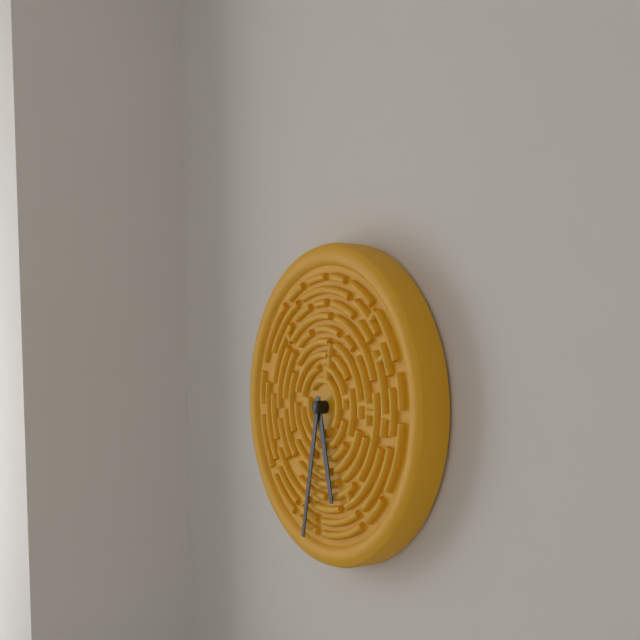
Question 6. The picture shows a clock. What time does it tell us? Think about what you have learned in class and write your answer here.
5:32
